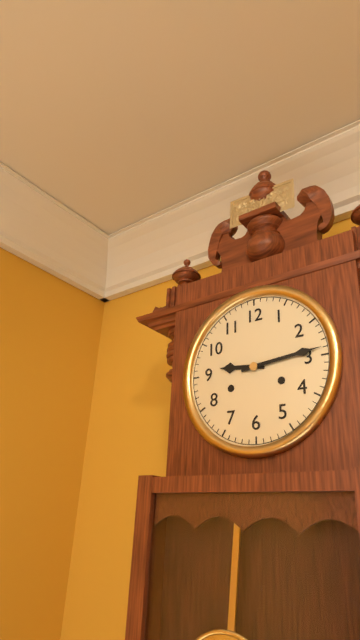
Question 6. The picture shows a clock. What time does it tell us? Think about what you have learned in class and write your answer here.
9:14
